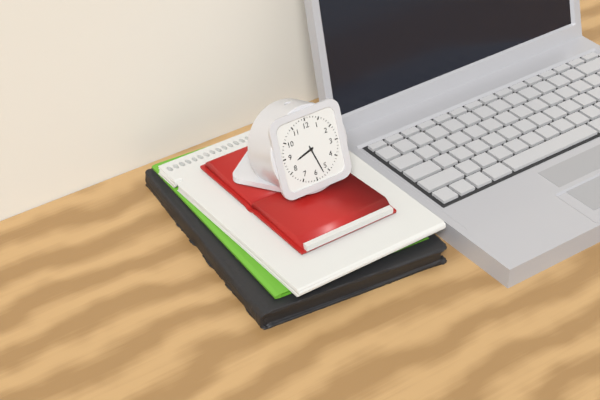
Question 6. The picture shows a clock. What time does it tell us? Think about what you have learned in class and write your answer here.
8:27
